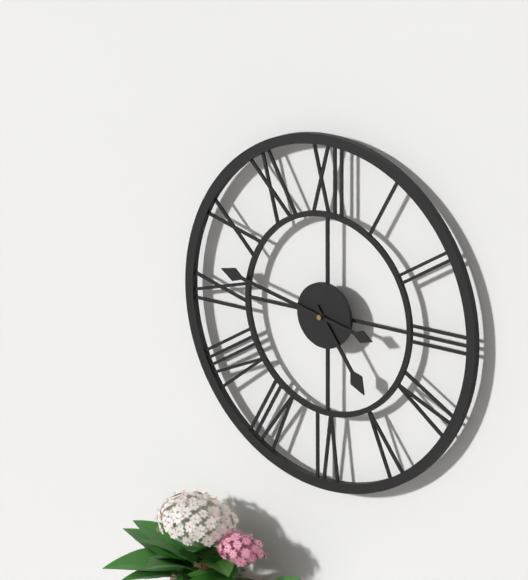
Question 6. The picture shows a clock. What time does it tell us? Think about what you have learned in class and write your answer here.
4:47
